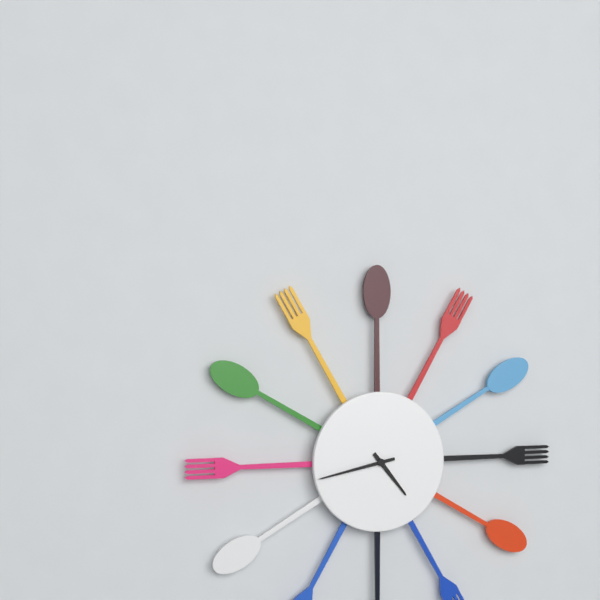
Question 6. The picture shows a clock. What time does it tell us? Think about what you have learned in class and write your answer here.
4:43
